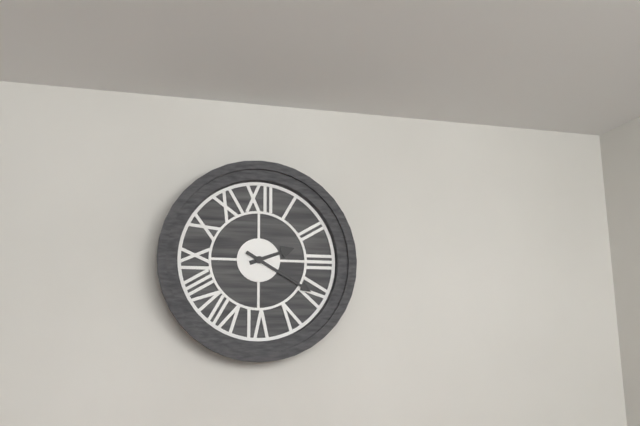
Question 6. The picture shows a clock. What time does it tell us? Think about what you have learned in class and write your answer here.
2:20
